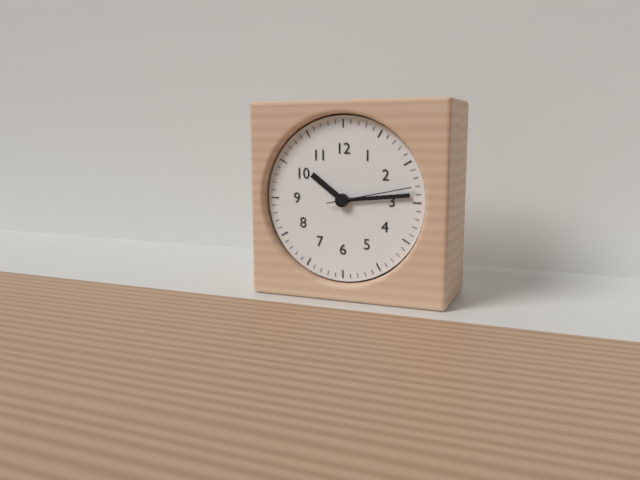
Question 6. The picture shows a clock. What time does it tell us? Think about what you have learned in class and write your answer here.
10:14:13
